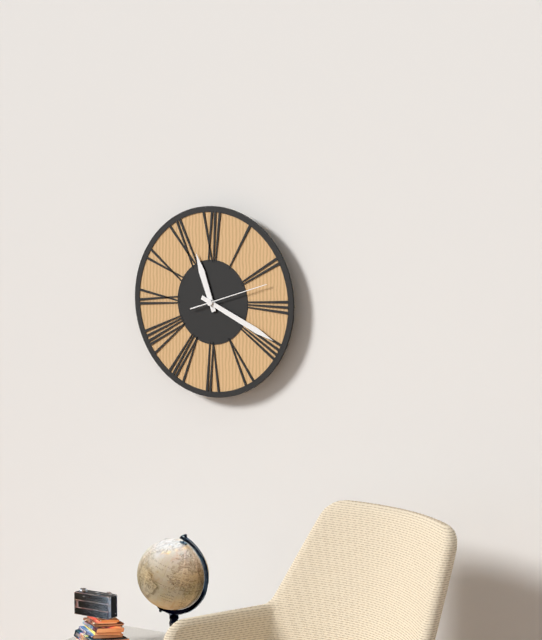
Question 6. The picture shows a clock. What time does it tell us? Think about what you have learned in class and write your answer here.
11:19:12
